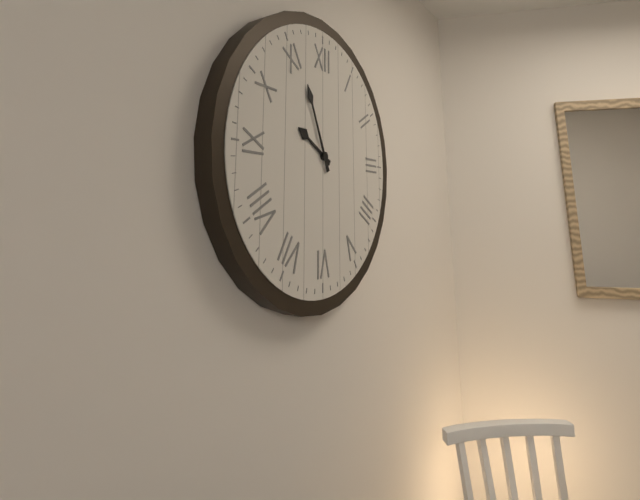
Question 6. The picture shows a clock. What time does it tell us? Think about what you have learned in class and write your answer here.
9:56
